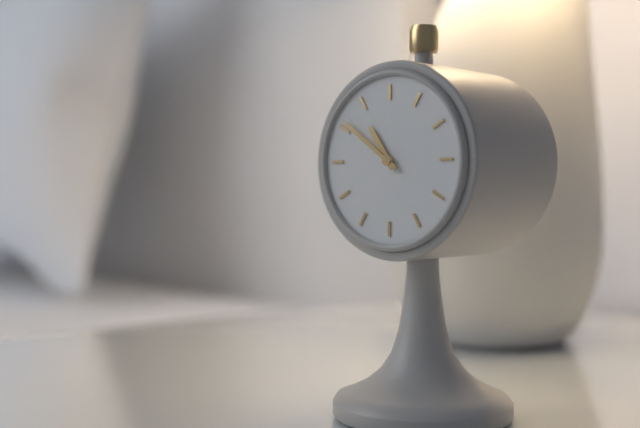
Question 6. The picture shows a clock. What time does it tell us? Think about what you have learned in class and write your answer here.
10:51
